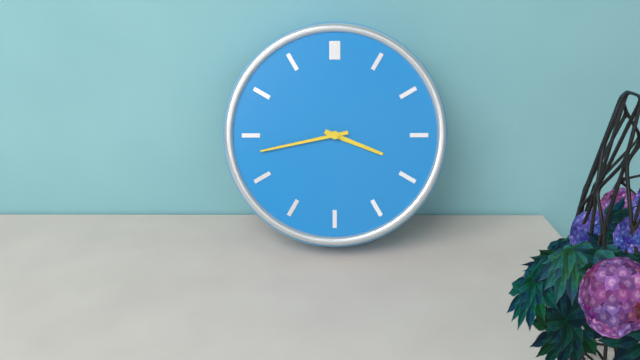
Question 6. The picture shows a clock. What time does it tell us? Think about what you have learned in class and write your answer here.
3:43
